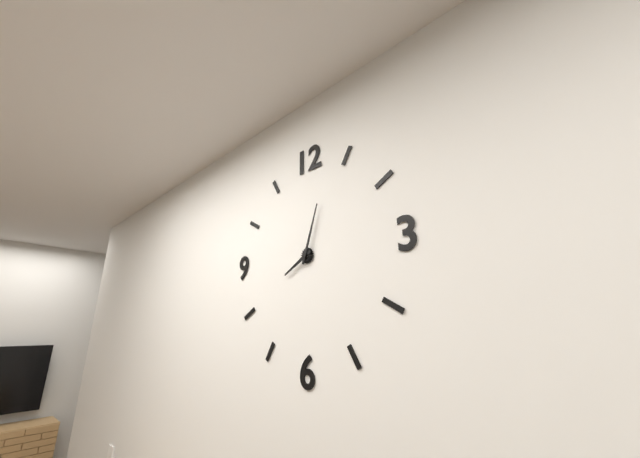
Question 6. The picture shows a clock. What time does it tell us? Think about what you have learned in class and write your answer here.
8:03
